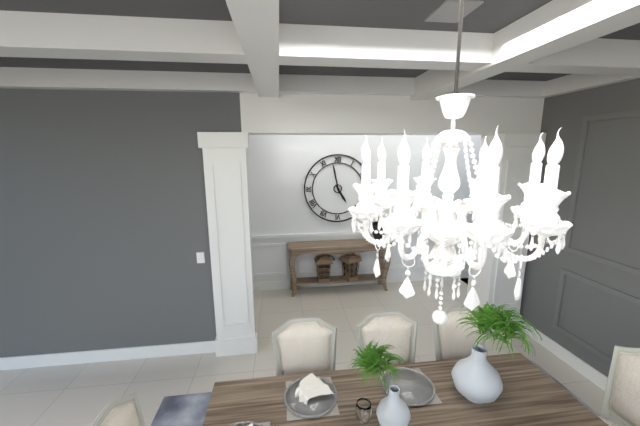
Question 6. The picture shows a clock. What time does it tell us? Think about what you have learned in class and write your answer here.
4:58
